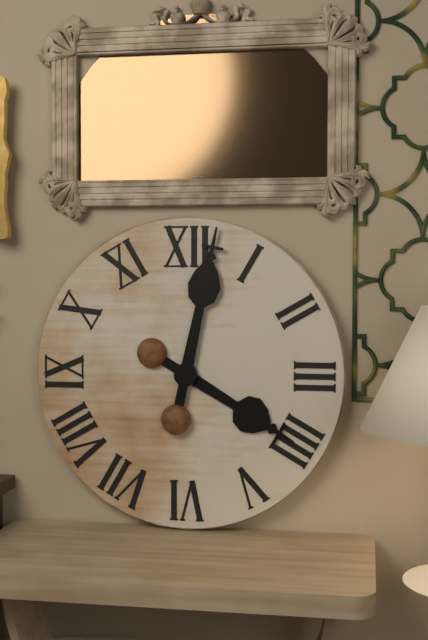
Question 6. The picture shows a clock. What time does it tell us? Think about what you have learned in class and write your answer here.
4:02
